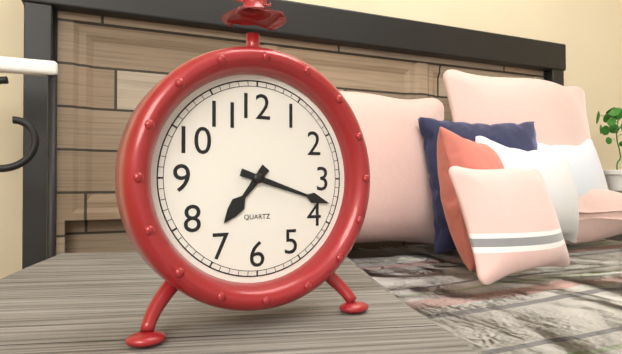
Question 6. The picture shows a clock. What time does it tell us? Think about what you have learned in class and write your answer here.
7:18
